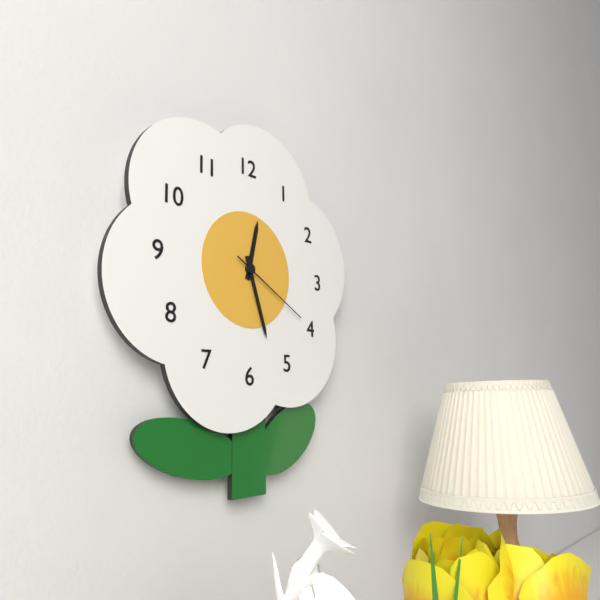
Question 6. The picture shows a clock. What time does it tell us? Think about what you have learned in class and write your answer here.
12:27:20
